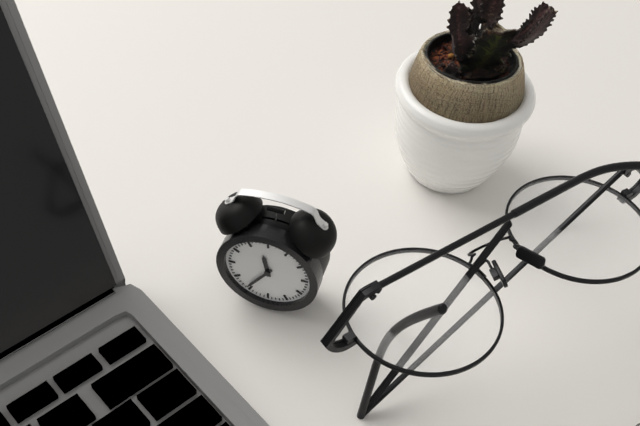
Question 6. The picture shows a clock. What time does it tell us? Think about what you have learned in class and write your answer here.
11:36
